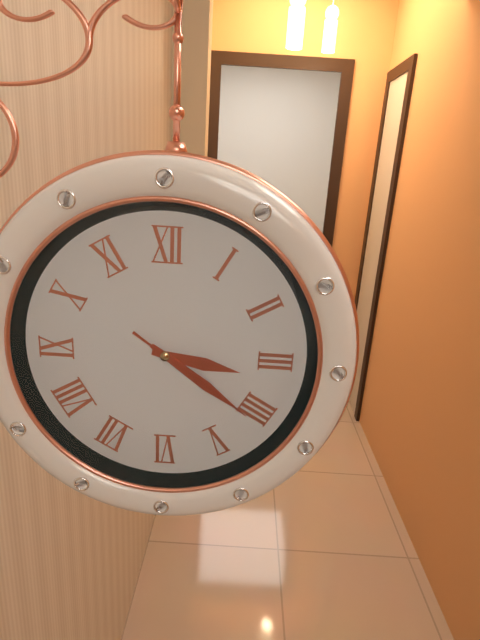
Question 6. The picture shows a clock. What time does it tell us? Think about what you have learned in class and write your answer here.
3:21:21
